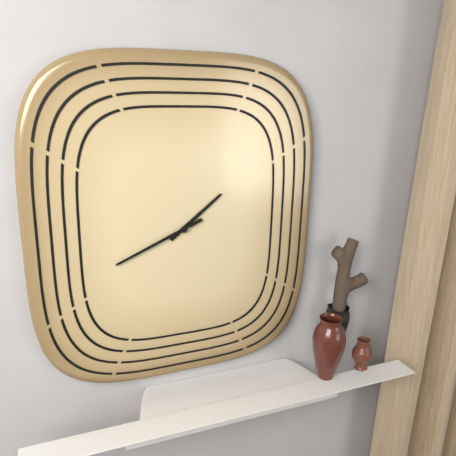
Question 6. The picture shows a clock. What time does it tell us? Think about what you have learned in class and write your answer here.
1:41
